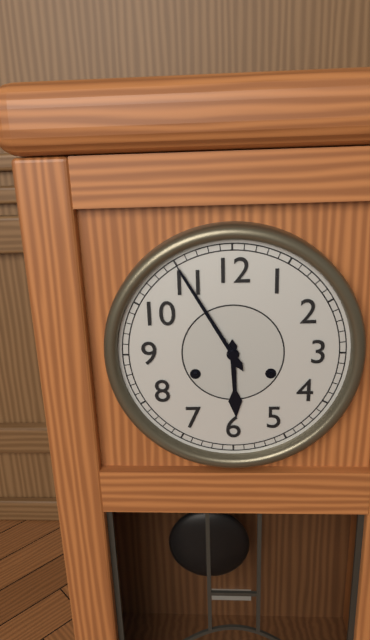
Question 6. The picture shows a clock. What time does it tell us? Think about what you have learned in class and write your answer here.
5:55
